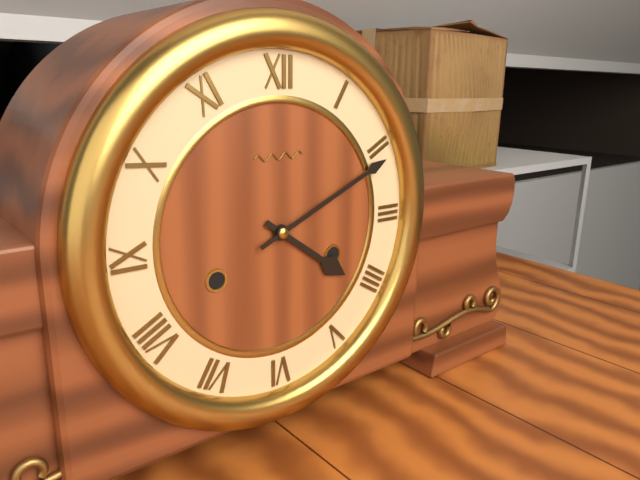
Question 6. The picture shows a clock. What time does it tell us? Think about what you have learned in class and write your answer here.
4:11
